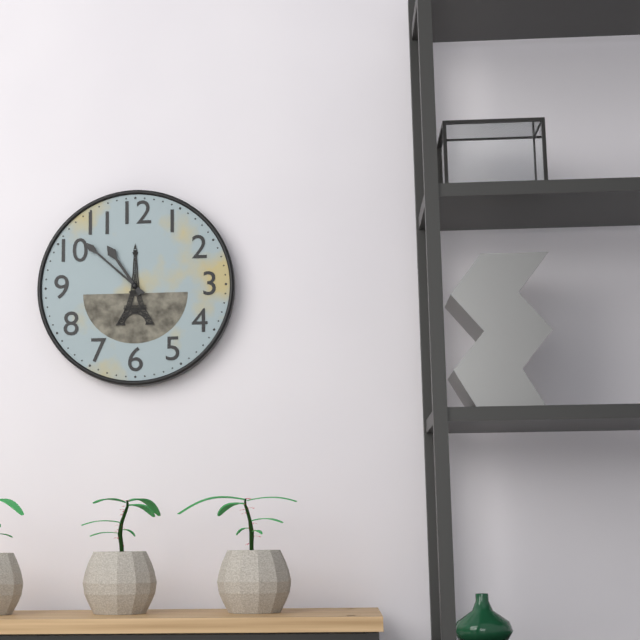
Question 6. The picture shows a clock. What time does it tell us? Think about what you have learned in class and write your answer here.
10:52
